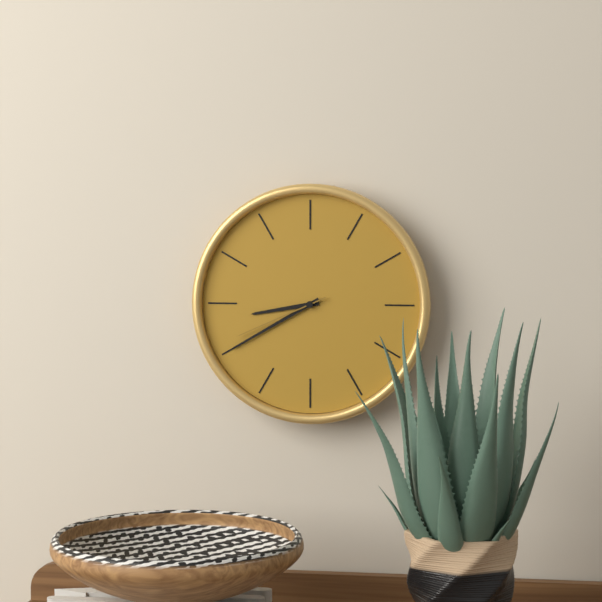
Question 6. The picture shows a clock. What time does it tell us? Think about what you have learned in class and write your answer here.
8:40:41
